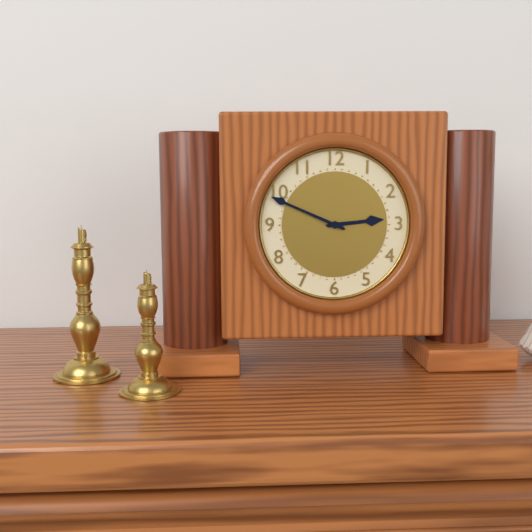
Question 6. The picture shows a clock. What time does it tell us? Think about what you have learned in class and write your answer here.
2:49
